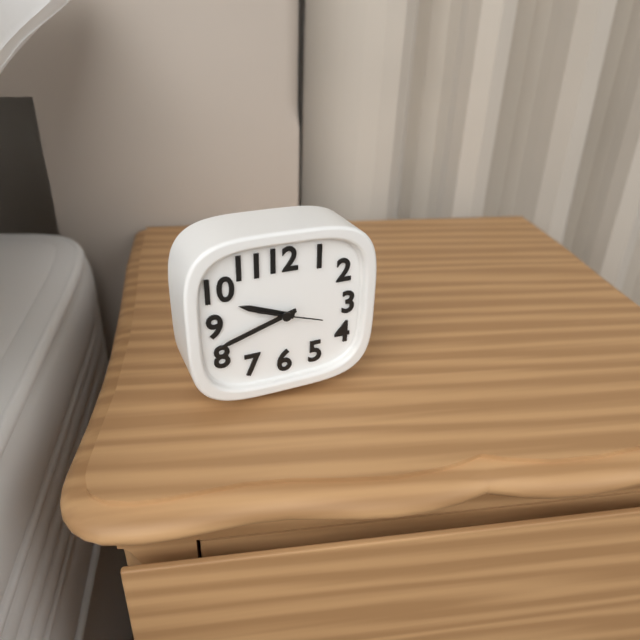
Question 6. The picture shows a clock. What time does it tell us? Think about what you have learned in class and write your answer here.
9:42
